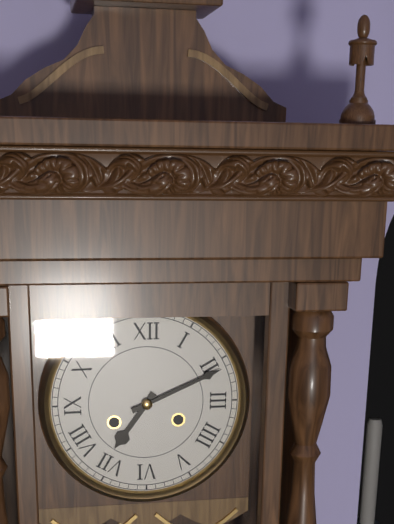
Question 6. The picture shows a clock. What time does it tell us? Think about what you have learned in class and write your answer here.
7:11
